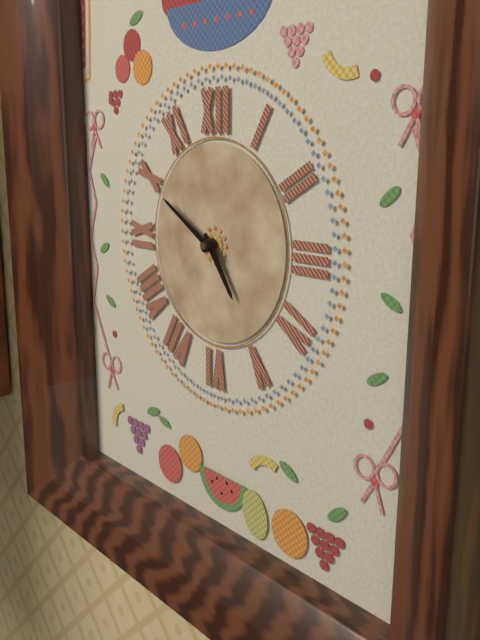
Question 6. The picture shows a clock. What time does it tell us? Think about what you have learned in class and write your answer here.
4:50
